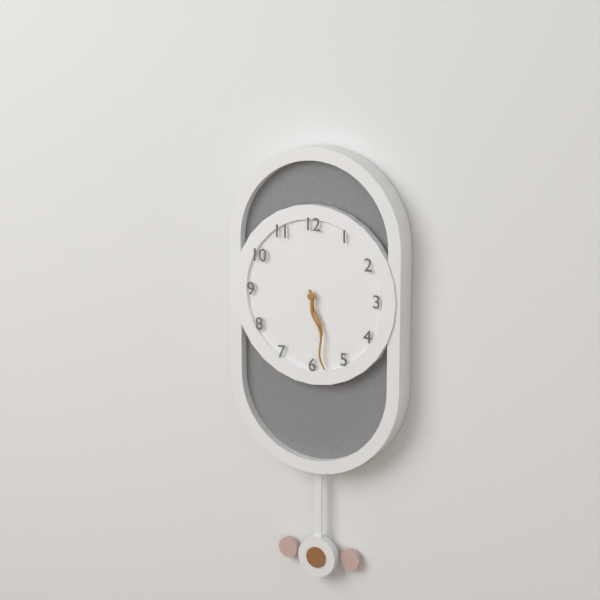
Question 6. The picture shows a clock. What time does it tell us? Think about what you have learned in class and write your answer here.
5:28
